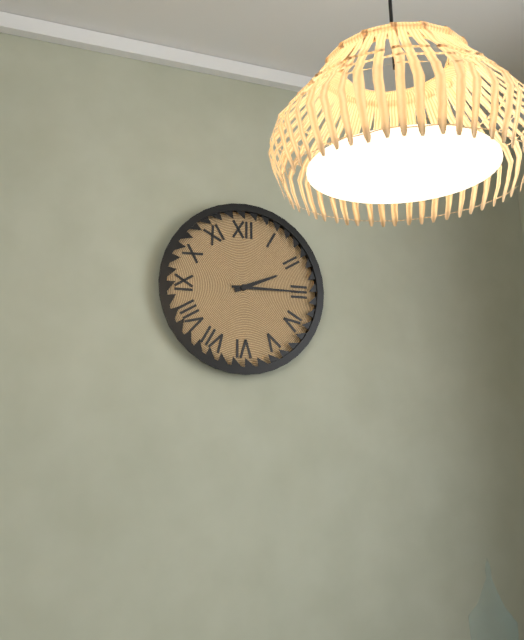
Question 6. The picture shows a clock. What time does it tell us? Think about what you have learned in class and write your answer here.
2:15
